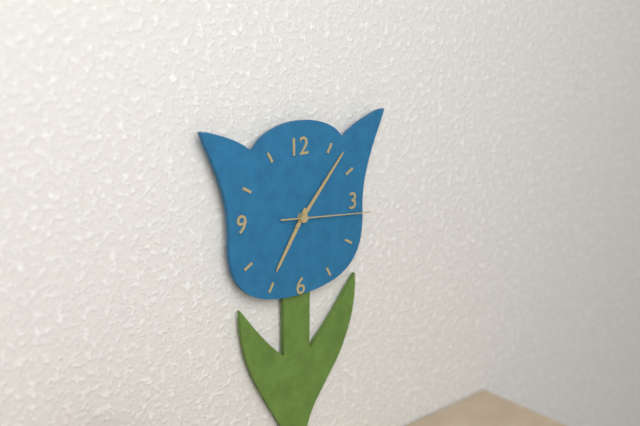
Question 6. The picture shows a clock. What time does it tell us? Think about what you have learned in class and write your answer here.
7:07:16
